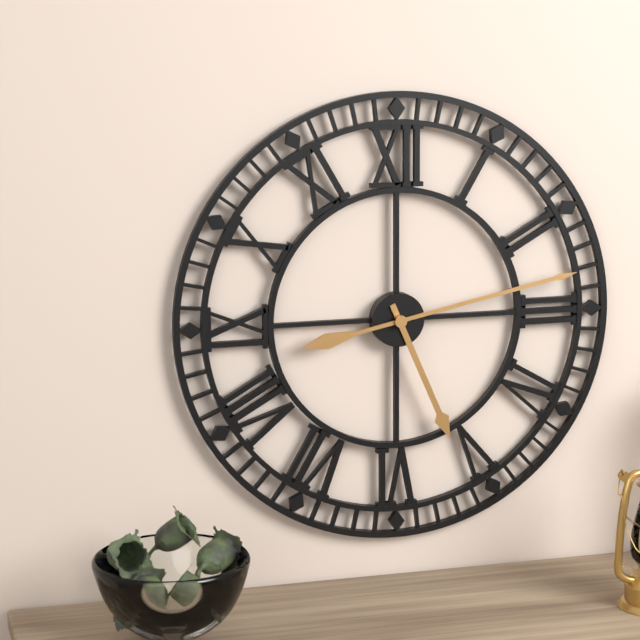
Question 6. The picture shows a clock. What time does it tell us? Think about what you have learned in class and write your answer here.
5:13
